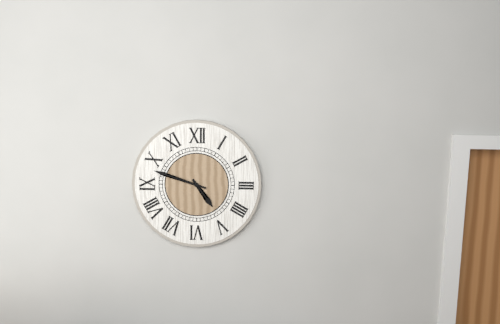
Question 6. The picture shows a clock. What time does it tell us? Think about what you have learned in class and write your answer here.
4:48
